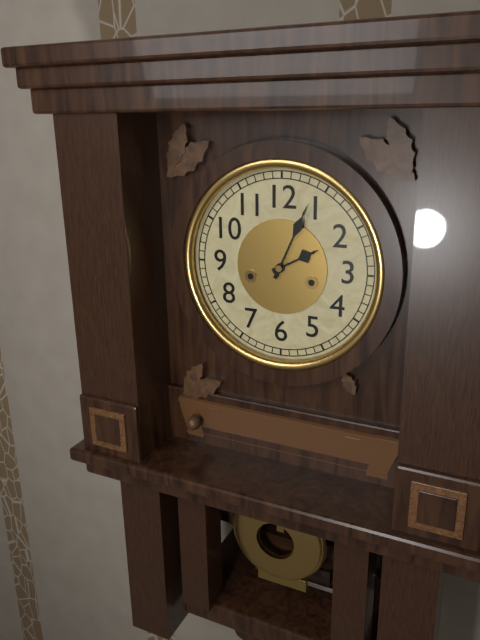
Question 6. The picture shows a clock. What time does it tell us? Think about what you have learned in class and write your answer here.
2:04
